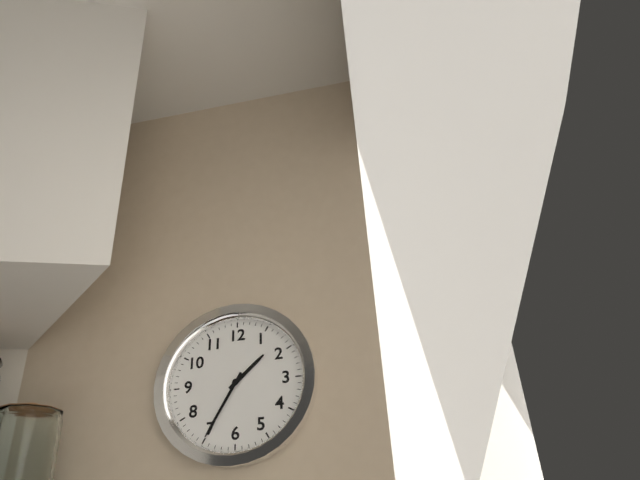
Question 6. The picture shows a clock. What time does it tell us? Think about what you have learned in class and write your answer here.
1:35
